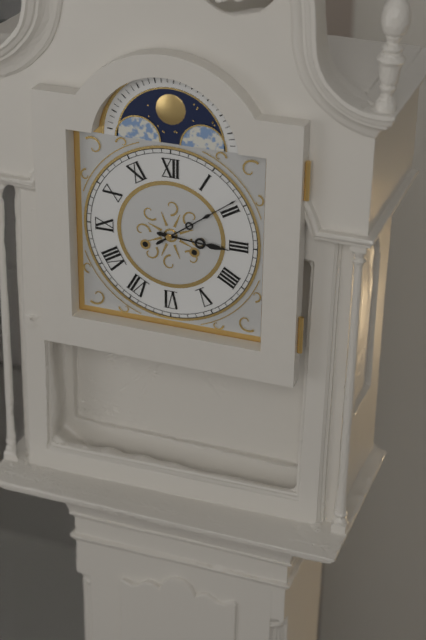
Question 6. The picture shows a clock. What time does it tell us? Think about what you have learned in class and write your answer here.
3:09
